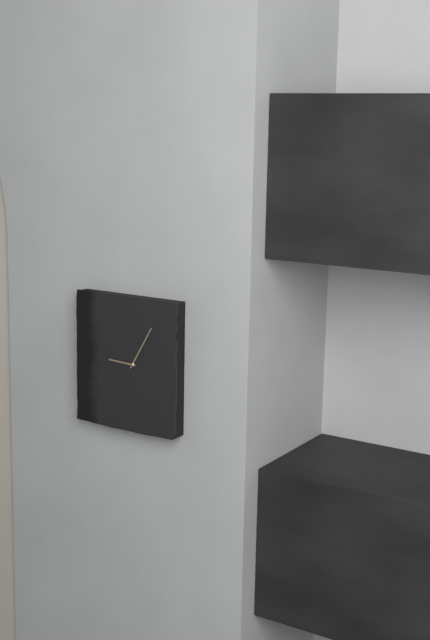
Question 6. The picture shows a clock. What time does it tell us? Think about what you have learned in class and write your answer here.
9:05
